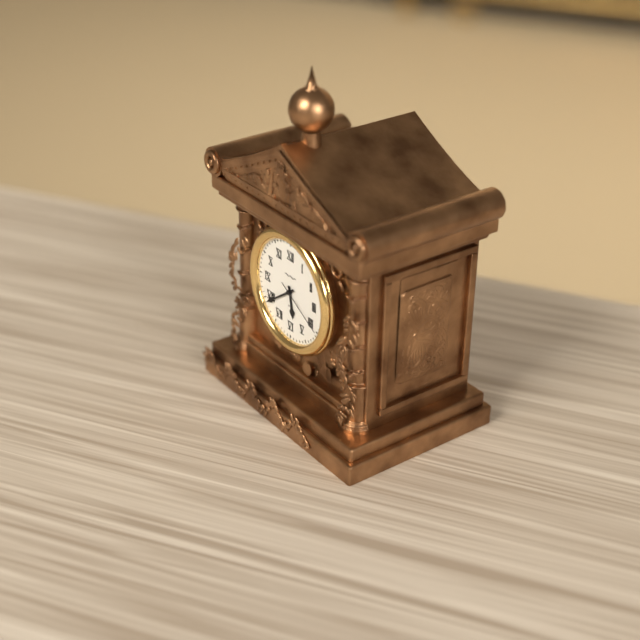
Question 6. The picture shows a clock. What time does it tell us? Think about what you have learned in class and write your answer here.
5:39:20
